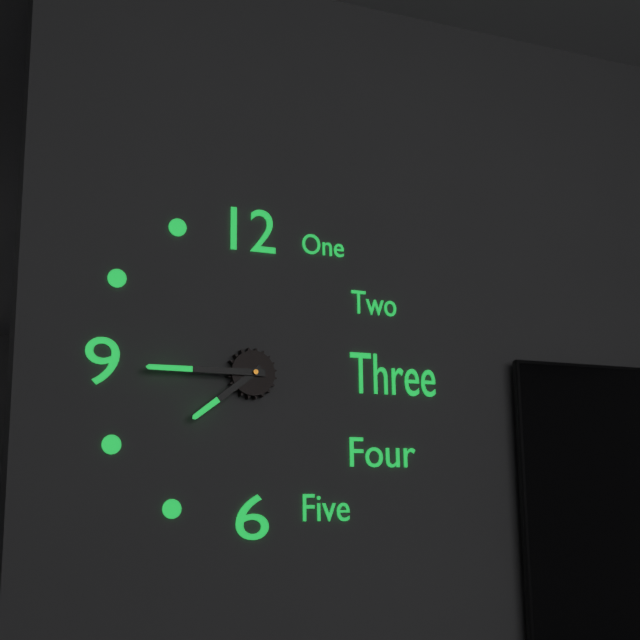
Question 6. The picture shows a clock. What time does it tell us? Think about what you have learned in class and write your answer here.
7:45
